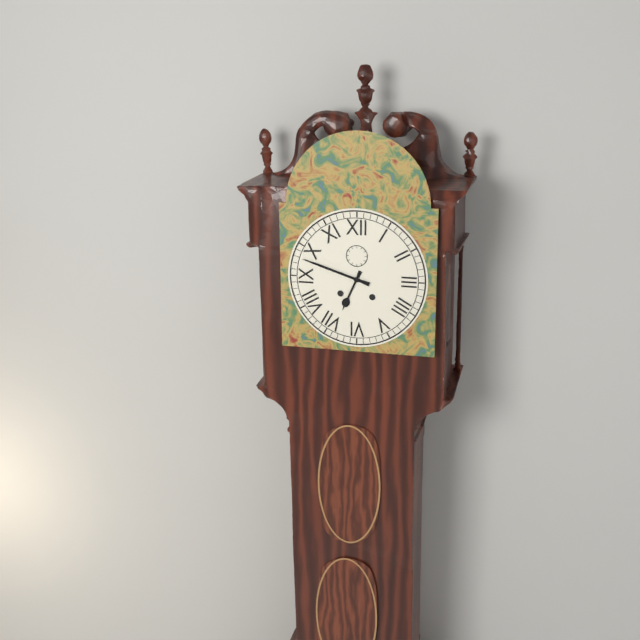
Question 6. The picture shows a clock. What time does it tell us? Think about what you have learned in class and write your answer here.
6:48
